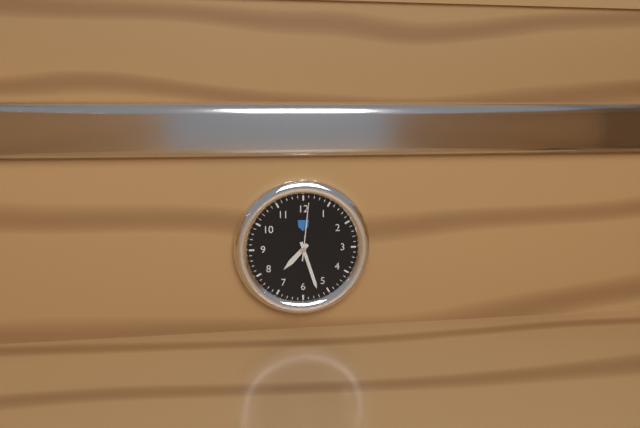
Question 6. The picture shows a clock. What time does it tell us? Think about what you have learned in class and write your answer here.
7:27:01
